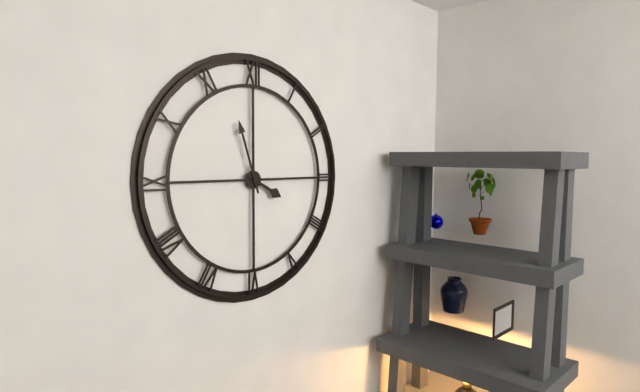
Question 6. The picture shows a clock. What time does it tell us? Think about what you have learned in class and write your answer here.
3:57
